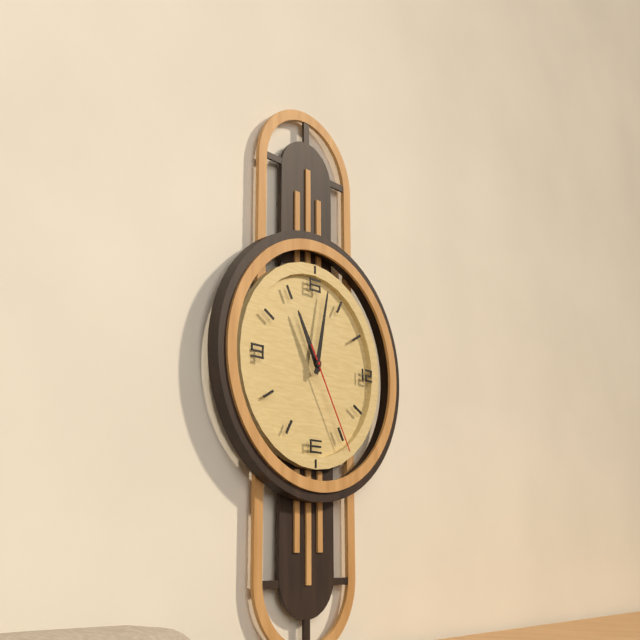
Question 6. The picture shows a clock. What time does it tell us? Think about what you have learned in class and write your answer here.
11:02:25
